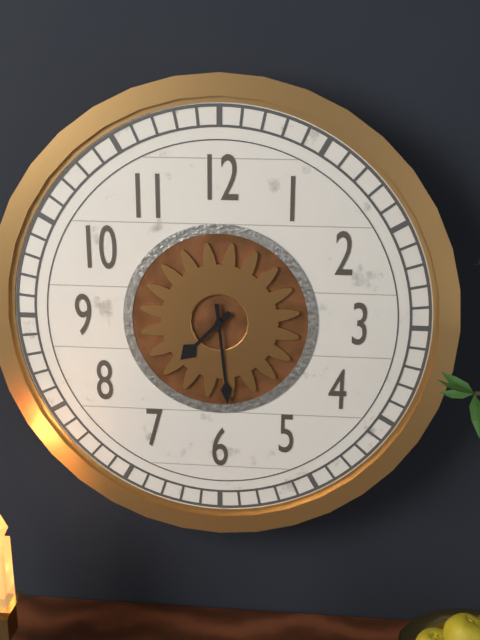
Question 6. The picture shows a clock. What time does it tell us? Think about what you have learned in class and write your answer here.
7:29
